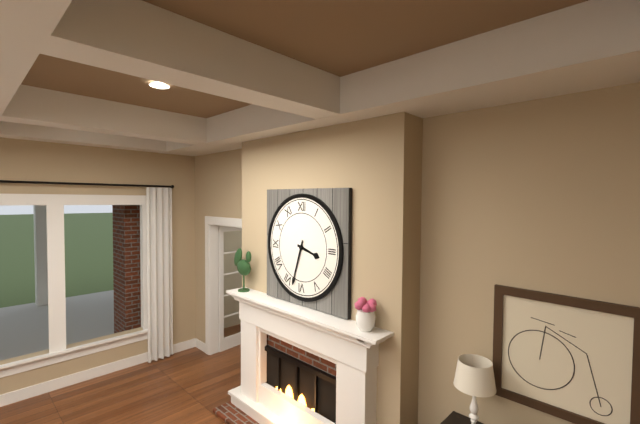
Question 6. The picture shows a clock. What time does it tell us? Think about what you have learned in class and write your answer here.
3:33
